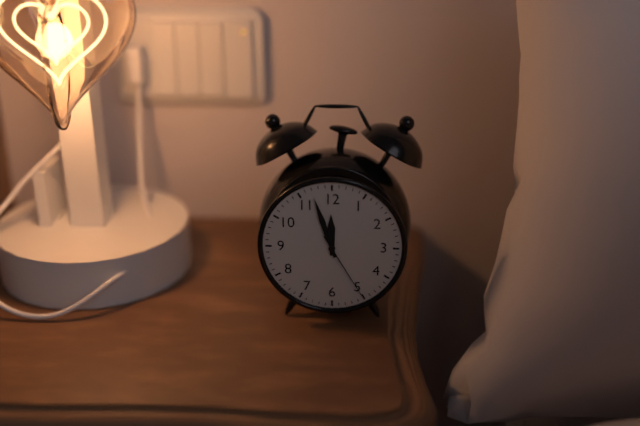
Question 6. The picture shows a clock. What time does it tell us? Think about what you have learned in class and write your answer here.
11:57:25
